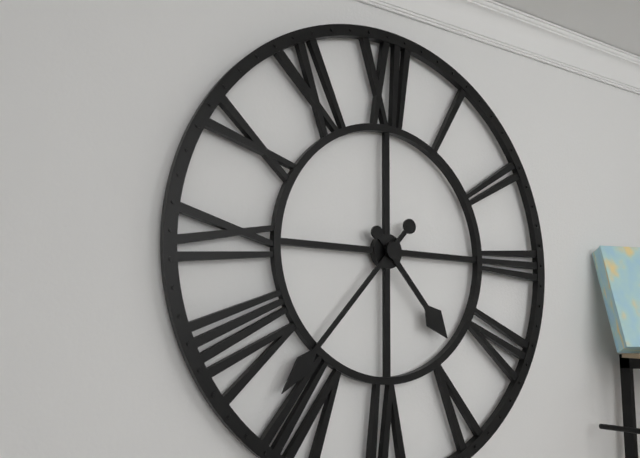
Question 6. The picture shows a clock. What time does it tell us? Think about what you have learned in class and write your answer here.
4:37
